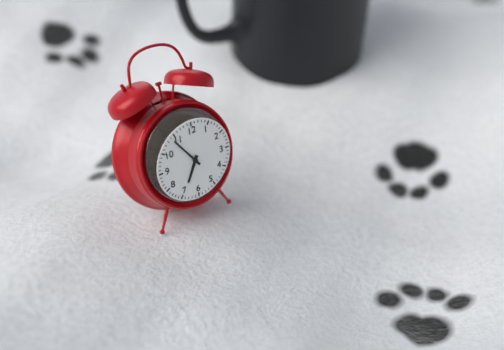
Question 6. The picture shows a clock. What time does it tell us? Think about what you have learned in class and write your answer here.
6:54
